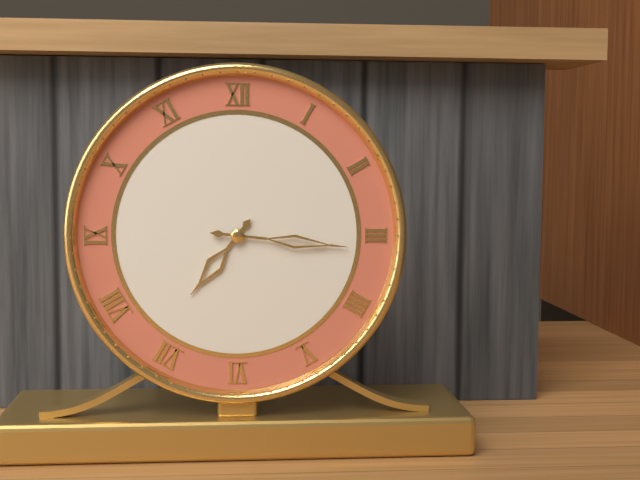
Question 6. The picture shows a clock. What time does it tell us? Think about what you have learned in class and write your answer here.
7:16
